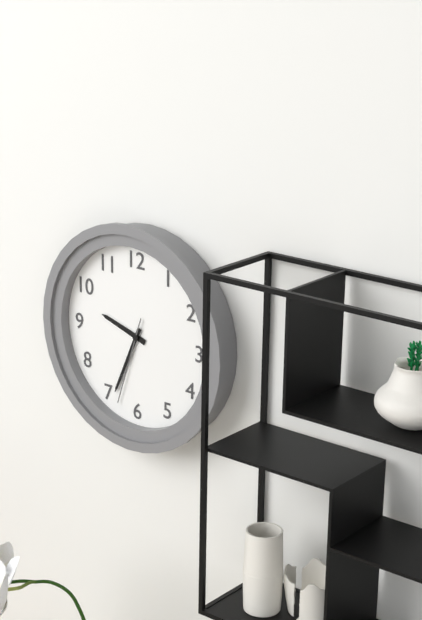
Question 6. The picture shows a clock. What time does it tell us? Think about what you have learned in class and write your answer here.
9:34:33
